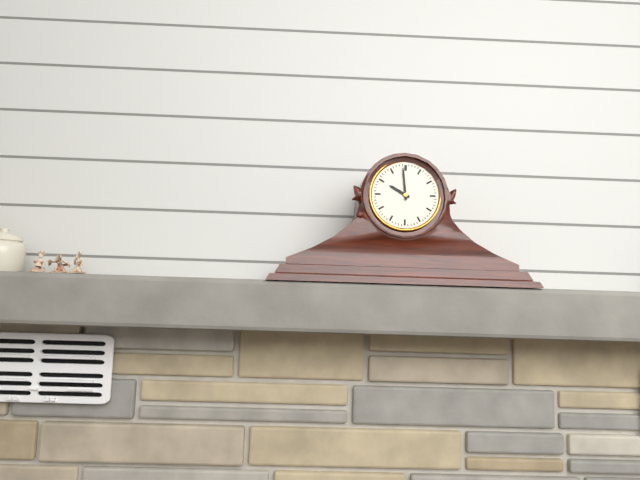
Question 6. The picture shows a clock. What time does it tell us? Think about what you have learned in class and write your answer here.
9:59
